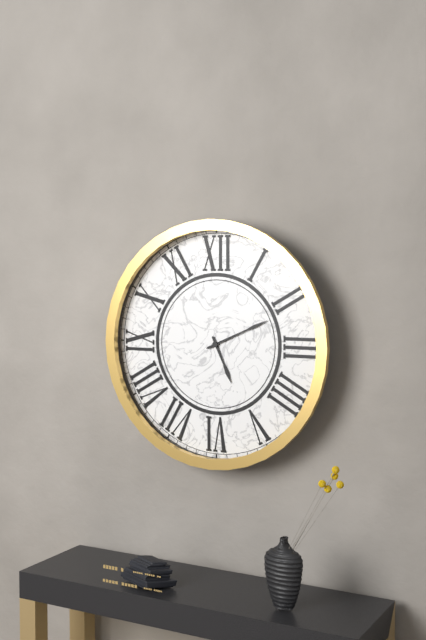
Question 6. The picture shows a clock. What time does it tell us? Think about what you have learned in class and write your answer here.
5:11
